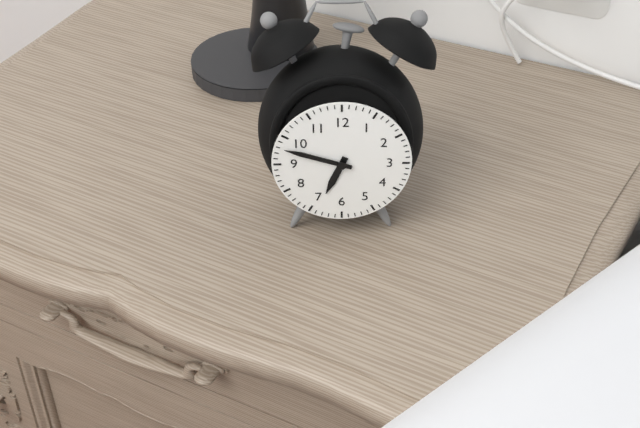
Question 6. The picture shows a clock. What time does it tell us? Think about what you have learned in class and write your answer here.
6:48
